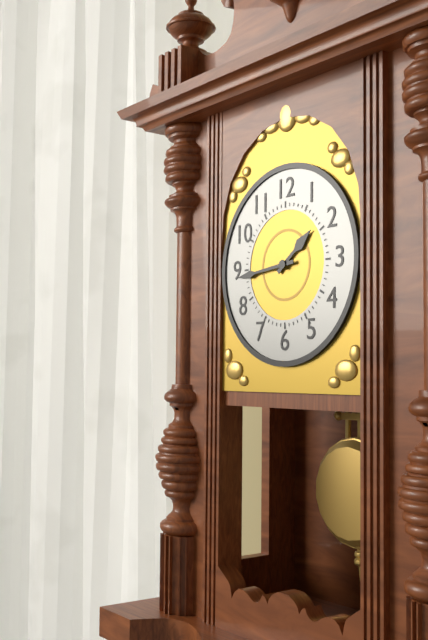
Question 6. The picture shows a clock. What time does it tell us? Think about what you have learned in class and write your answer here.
1:44
